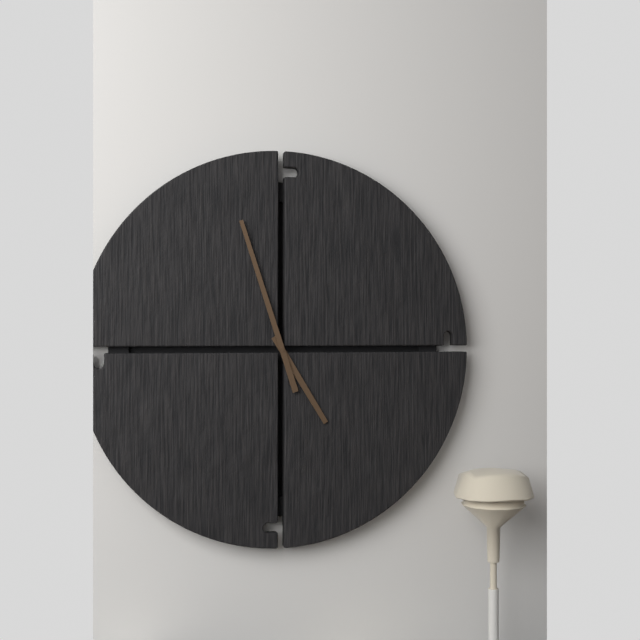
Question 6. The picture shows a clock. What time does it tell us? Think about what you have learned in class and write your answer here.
4:57
